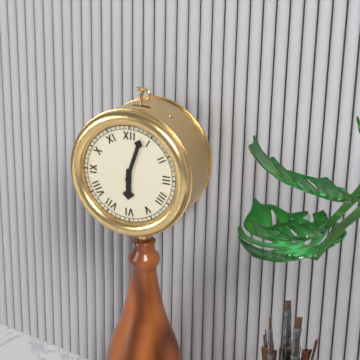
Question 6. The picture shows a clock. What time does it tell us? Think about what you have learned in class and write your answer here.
6:03
